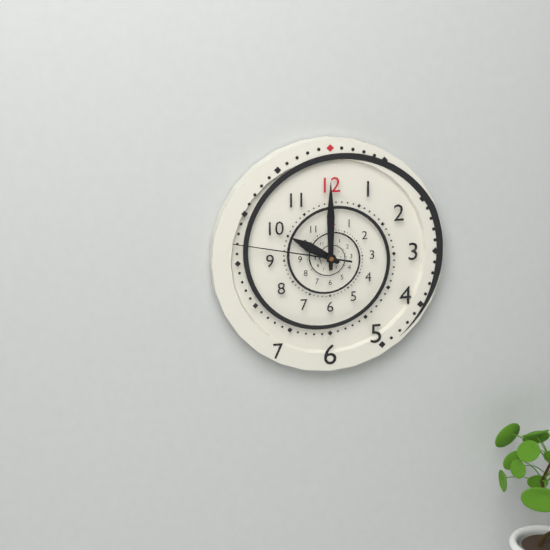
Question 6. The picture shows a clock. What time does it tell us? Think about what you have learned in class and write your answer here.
10:00:47
